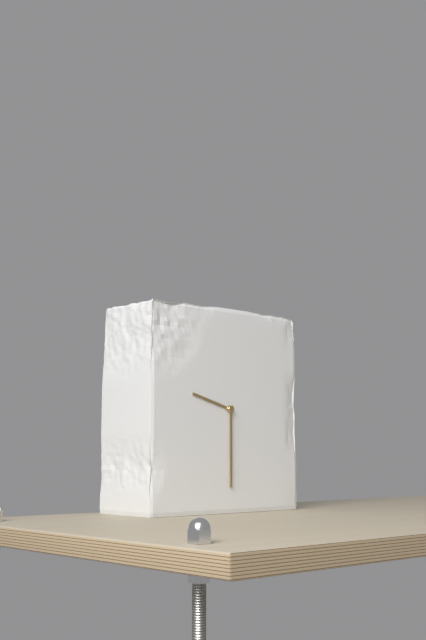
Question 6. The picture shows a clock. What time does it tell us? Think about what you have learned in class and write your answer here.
9:30
